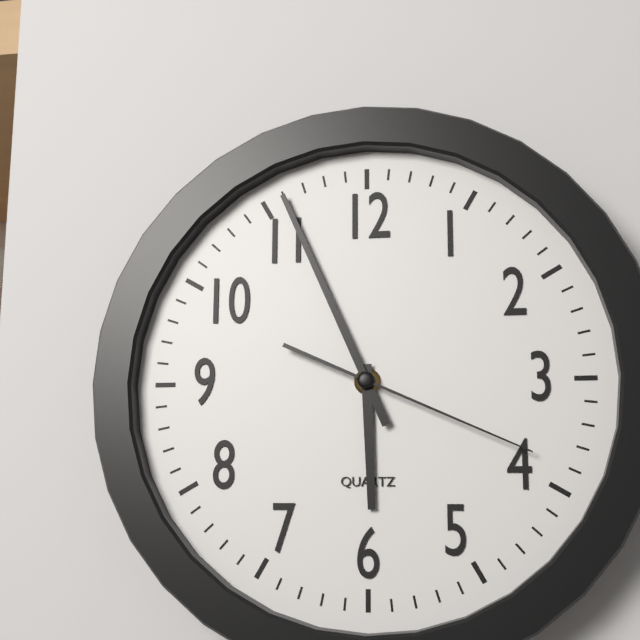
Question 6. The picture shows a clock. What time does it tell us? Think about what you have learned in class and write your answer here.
5:56:19
